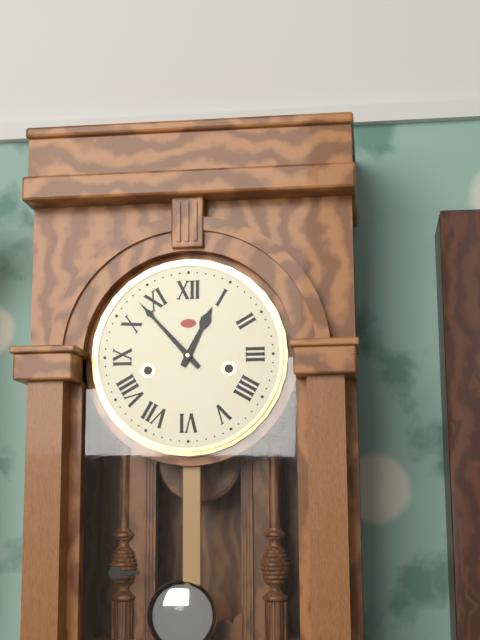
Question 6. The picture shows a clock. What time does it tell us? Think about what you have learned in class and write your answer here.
12:53
